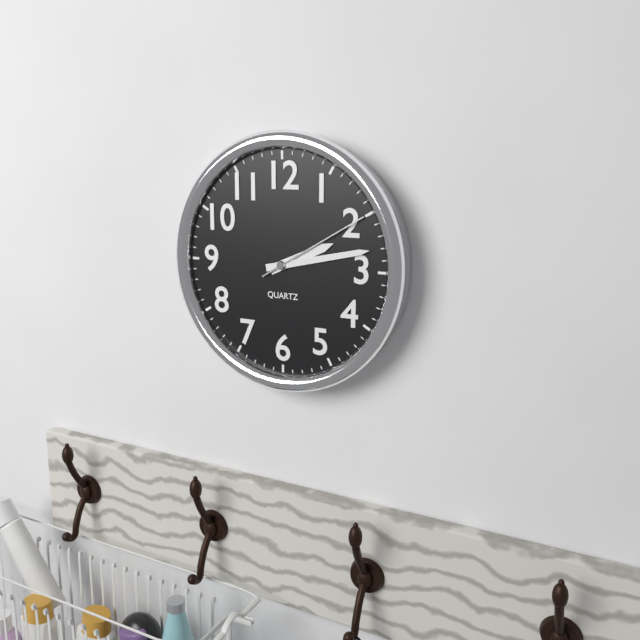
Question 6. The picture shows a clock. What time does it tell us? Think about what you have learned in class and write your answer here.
2:13:10
